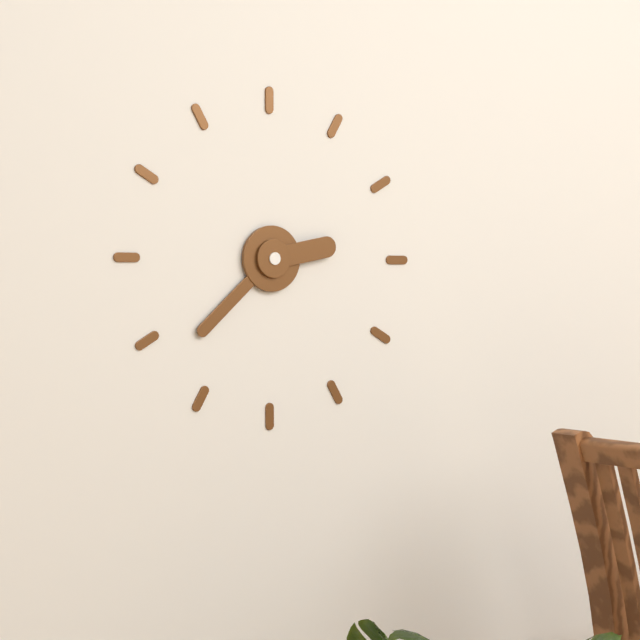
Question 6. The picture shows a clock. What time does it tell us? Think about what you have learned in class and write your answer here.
2:38
